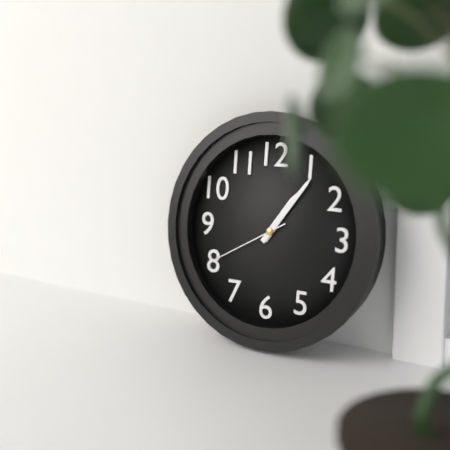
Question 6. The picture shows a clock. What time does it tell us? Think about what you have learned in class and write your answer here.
1:06:40
